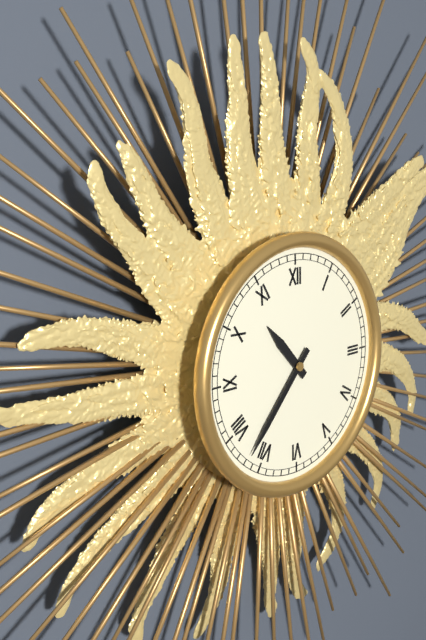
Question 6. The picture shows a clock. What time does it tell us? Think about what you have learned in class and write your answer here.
10:37
